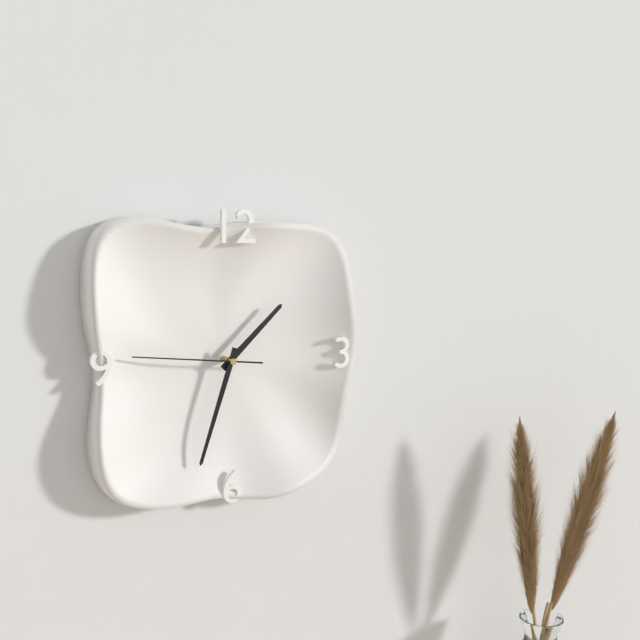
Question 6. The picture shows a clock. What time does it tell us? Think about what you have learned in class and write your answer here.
1:33:46
